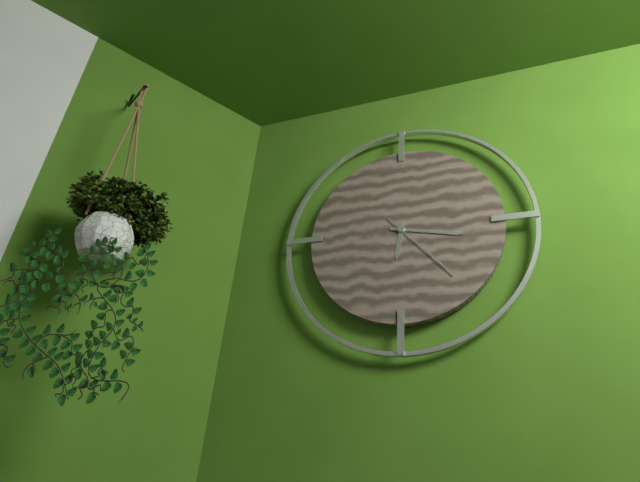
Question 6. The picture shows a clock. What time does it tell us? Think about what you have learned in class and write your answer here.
6:17:23
